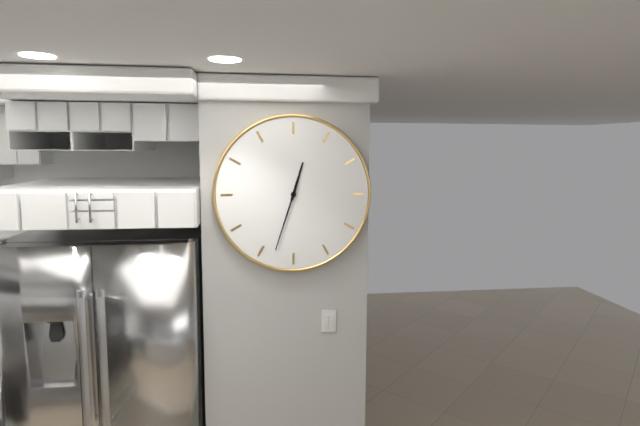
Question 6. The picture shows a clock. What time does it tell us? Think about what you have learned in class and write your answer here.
12:33
